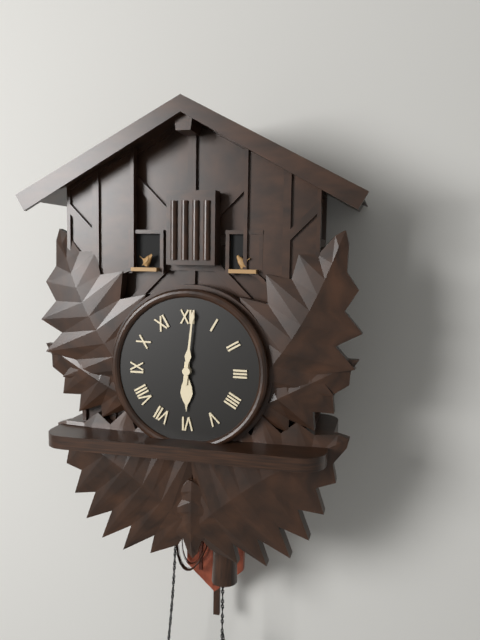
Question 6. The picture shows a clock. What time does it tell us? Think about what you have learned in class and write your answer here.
6:01
